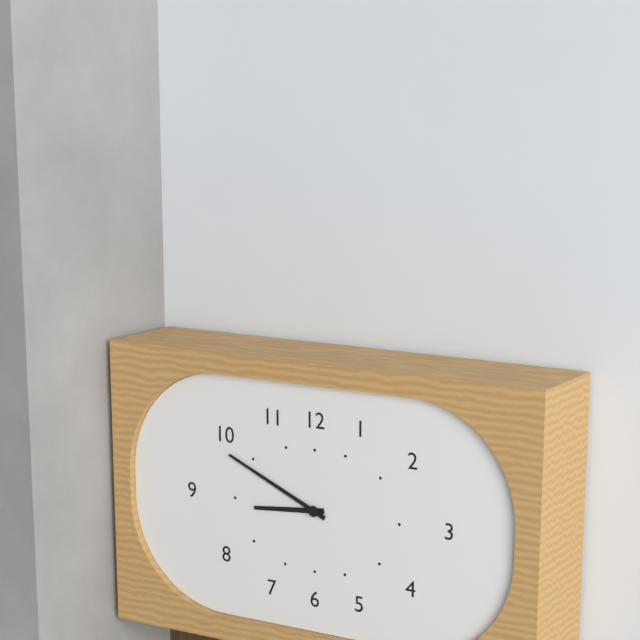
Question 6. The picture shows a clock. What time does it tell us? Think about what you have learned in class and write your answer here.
8:49
